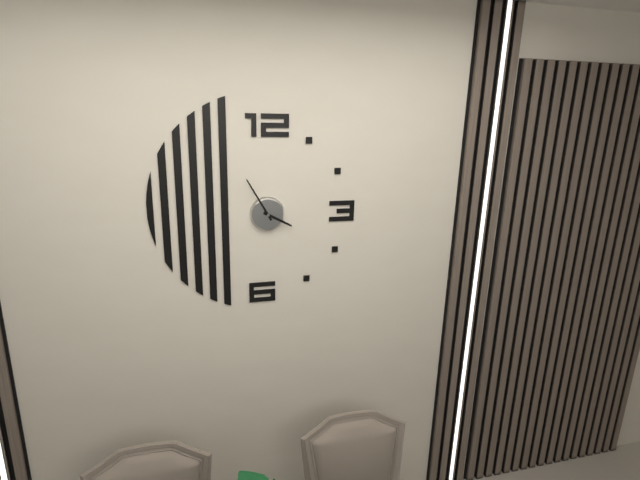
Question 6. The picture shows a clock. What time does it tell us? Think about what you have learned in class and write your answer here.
3:55
